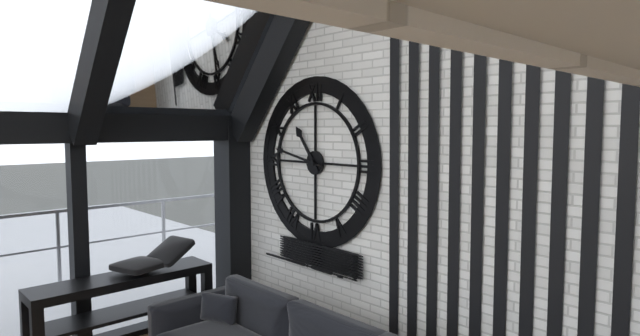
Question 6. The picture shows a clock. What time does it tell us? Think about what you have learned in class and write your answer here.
10:47
